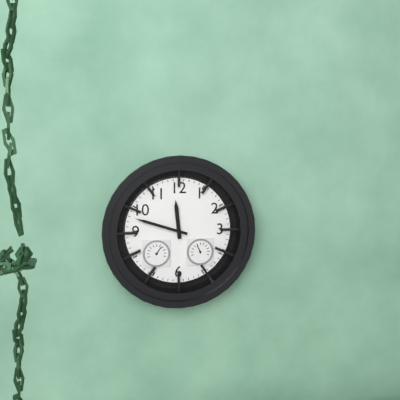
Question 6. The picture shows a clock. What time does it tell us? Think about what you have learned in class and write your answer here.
11:48
